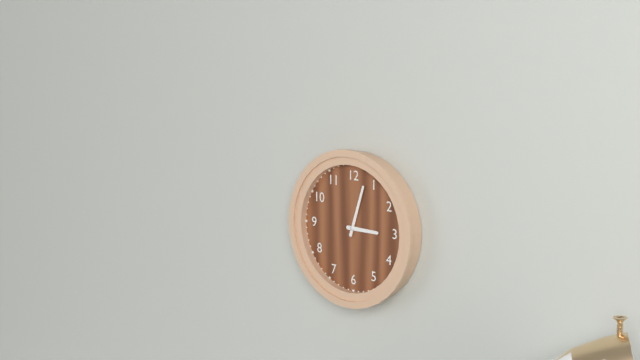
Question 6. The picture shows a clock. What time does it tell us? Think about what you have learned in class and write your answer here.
3:03
